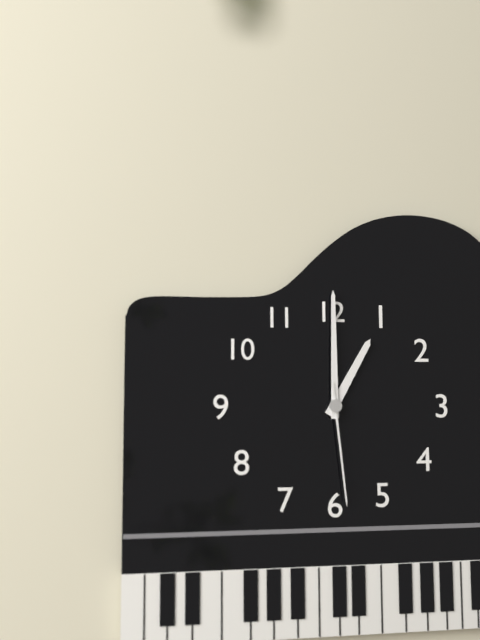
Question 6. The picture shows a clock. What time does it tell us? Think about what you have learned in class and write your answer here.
1:00:29
